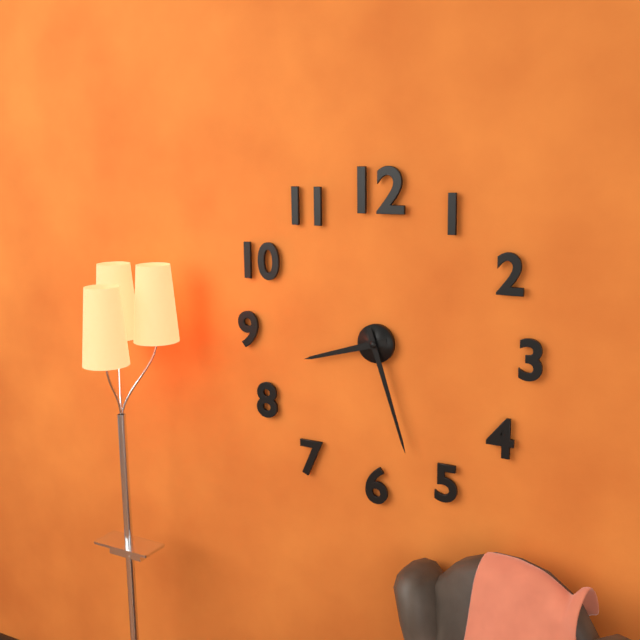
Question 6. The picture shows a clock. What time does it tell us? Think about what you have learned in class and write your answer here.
8:27
